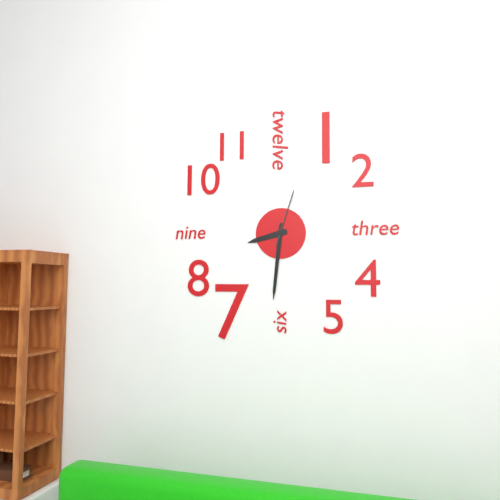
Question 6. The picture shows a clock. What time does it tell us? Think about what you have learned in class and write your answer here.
8:31:03
